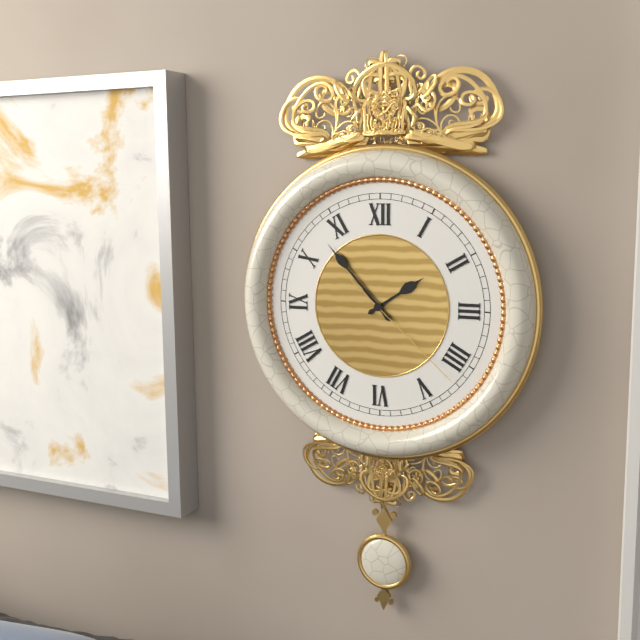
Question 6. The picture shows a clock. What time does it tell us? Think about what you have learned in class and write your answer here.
1:53:22
